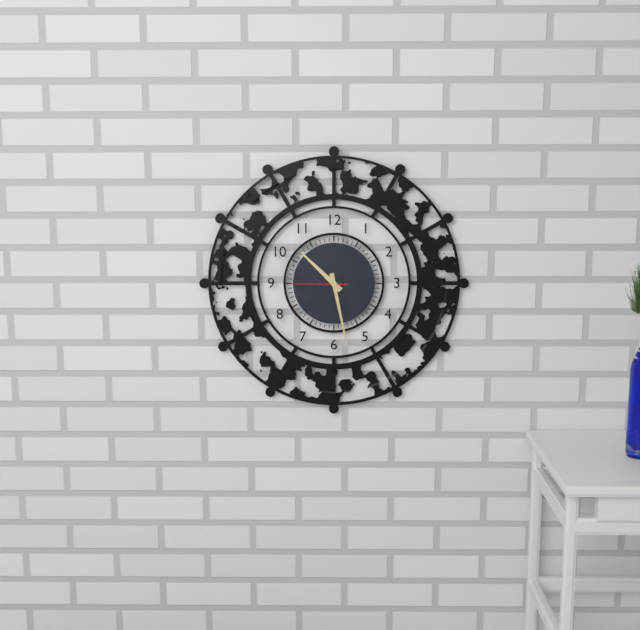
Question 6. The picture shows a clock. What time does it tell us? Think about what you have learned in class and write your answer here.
10:28:45
